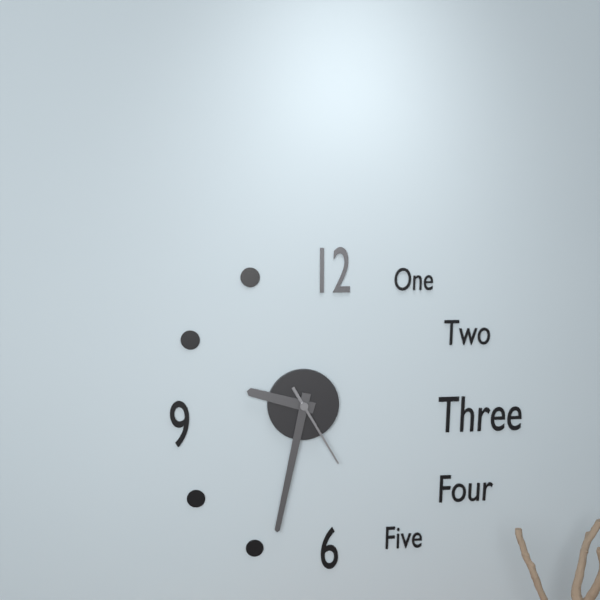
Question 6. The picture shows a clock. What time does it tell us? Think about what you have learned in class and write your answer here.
9:32:25
